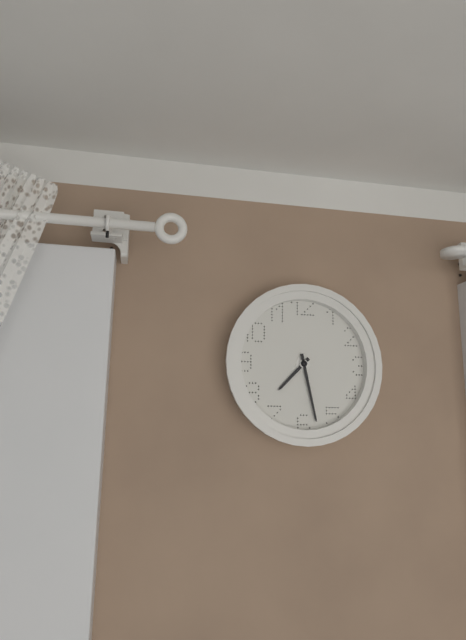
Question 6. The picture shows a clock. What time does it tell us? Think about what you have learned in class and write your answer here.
7:28
